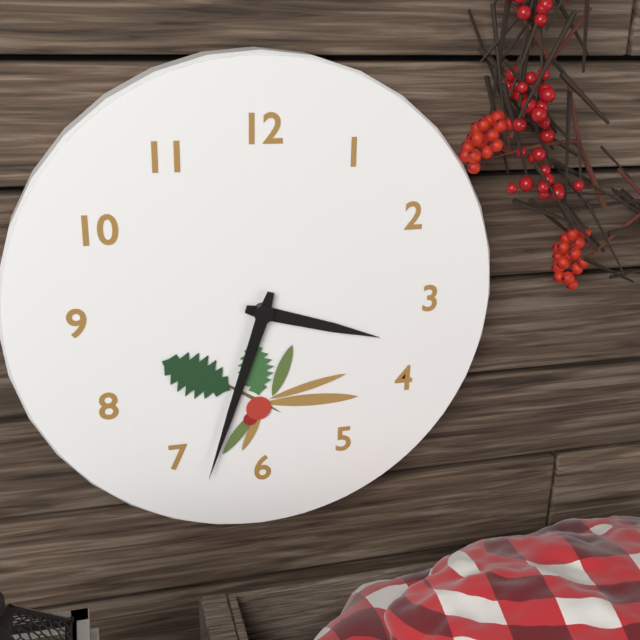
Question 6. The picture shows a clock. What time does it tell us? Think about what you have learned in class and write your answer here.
3:33
